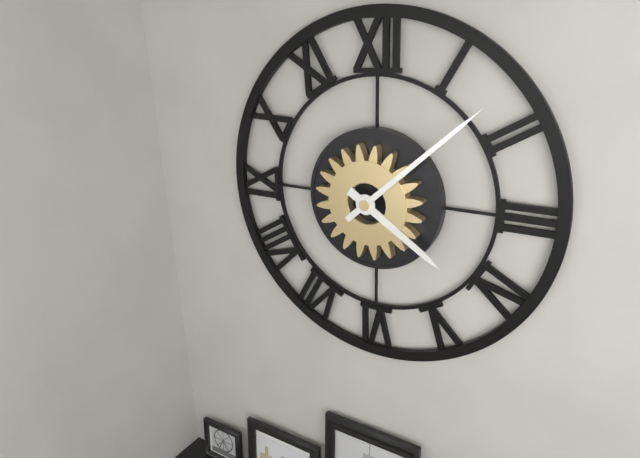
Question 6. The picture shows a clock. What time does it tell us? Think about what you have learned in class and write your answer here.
4:08
